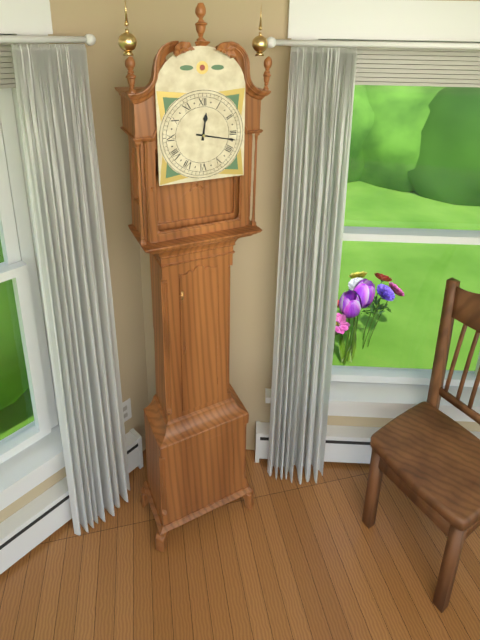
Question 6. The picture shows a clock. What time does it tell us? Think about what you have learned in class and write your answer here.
12:17
